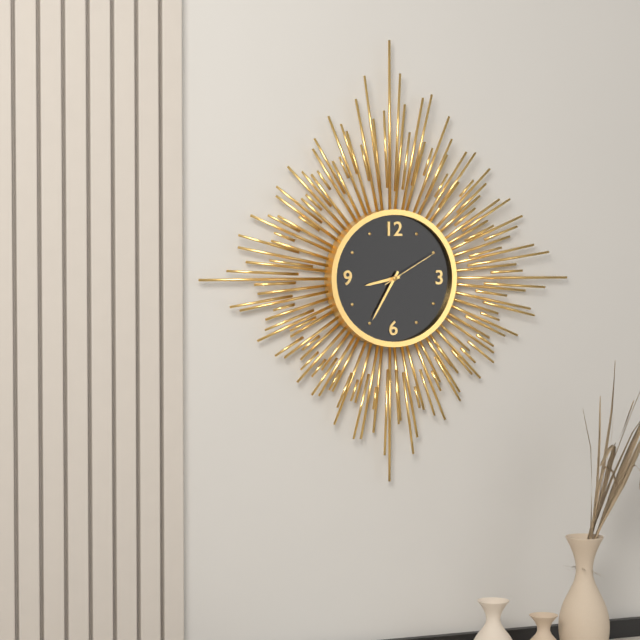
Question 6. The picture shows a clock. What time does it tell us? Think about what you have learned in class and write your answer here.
8:35:10
